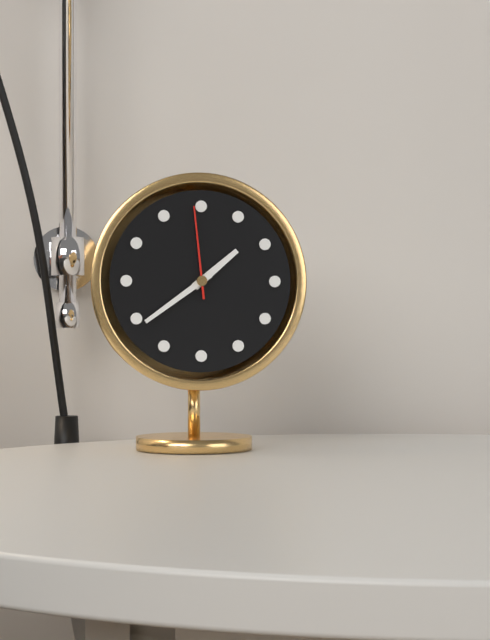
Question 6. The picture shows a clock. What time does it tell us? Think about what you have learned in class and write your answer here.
1:39:59
